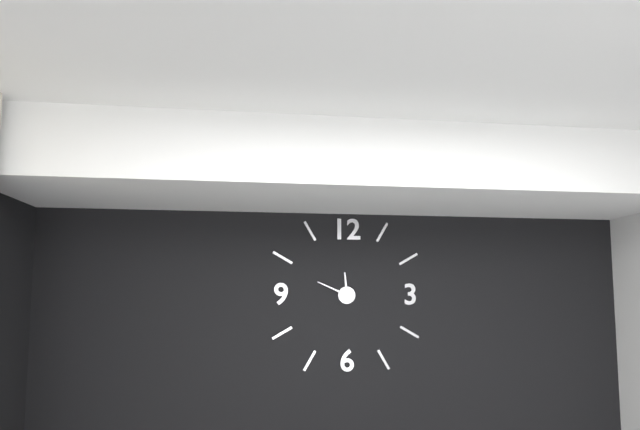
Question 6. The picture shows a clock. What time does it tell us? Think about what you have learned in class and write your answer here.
11:49
